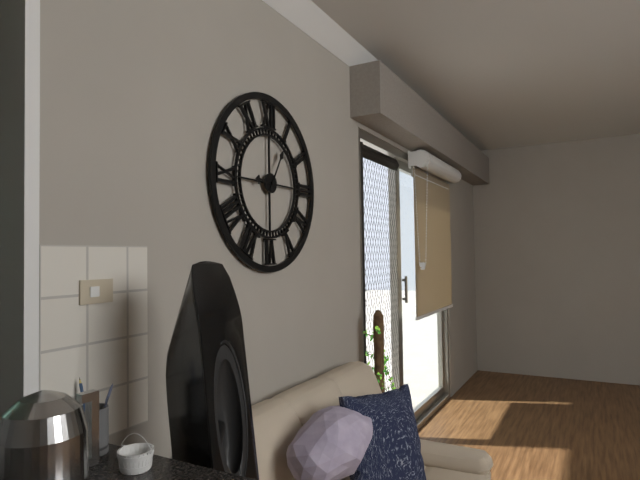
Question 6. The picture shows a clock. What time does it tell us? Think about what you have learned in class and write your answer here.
9:05
